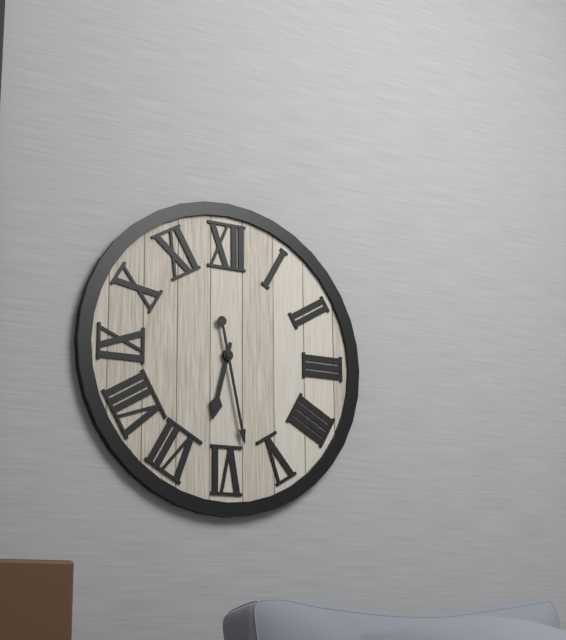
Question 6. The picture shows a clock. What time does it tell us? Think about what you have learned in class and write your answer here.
6:28
